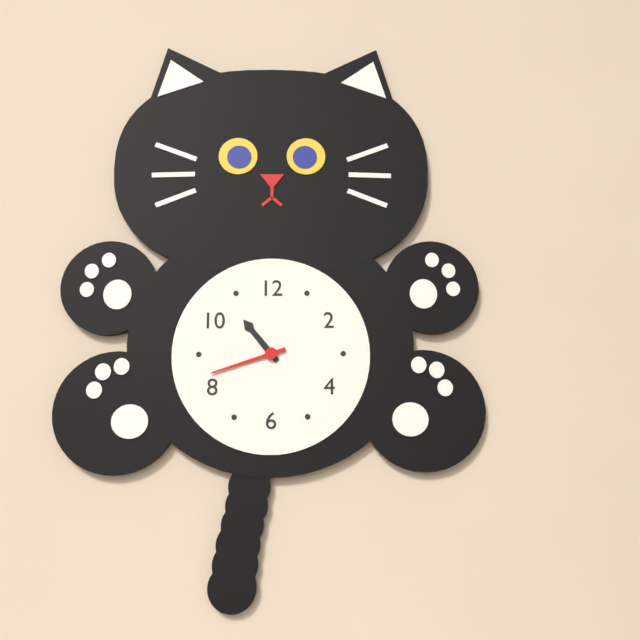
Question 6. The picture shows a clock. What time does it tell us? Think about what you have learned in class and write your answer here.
10:42
